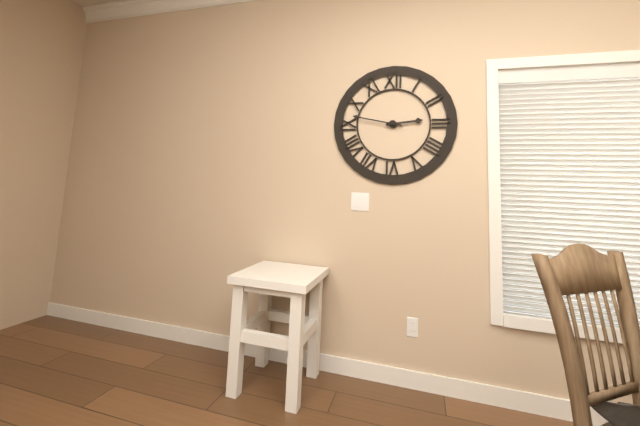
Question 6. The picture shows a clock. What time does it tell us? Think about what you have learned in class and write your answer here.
2:47
